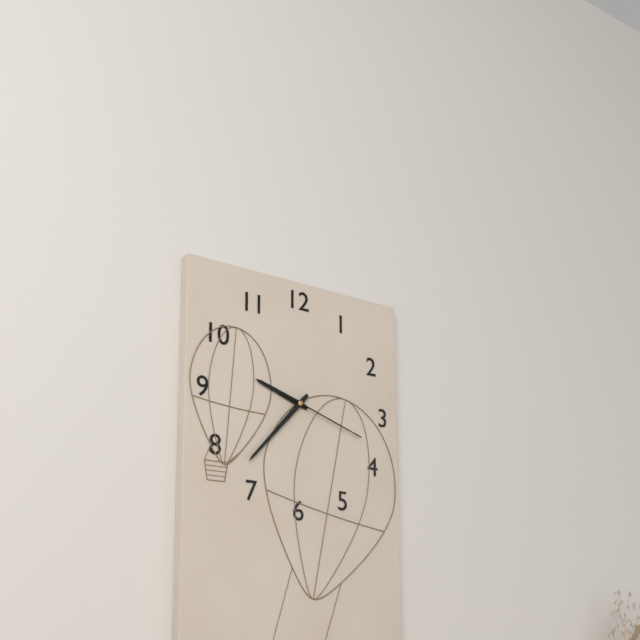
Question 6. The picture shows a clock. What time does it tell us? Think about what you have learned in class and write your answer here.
9:37:18
